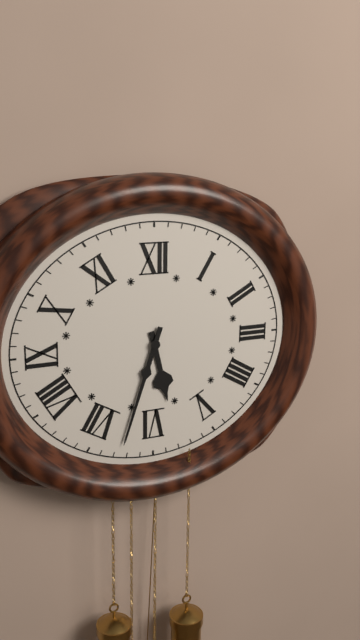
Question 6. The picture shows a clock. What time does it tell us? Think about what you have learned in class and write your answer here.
5:33
